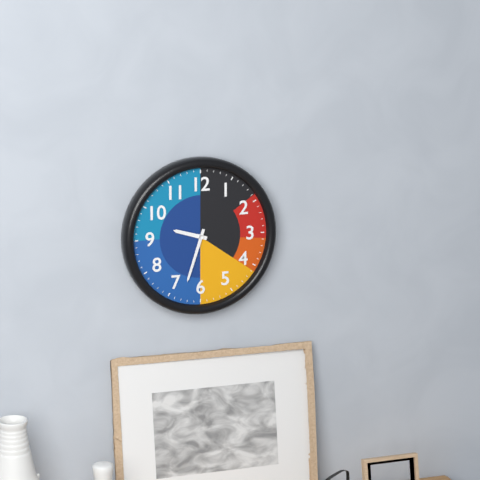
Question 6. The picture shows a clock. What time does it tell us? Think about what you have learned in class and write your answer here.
9:33
